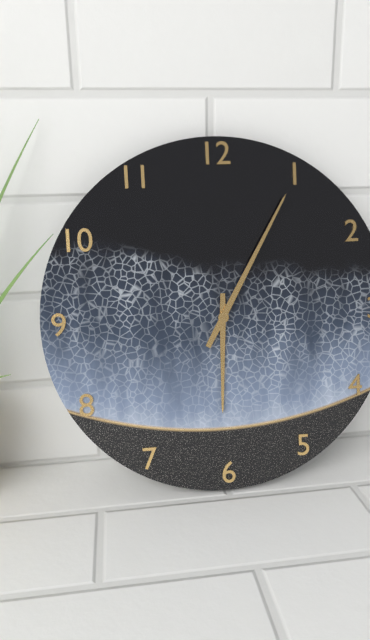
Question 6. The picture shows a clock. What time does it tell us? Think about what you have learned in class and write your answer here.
6:05
